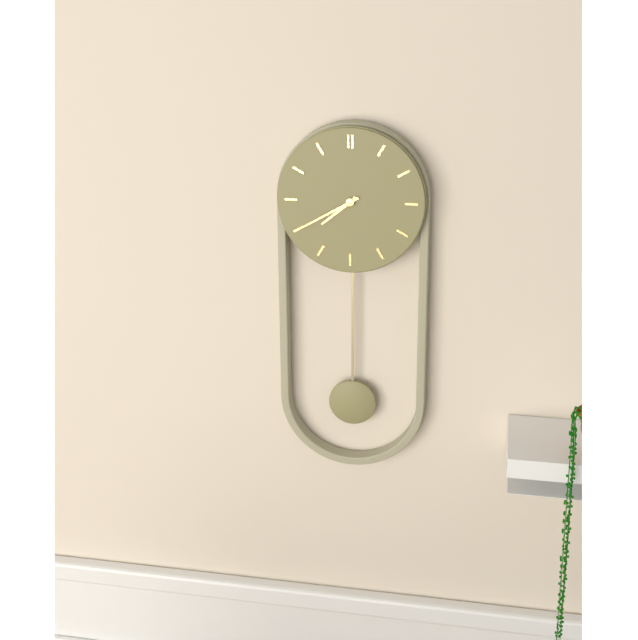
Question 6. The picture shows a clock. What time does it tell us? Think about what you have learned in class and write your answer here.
7:40
